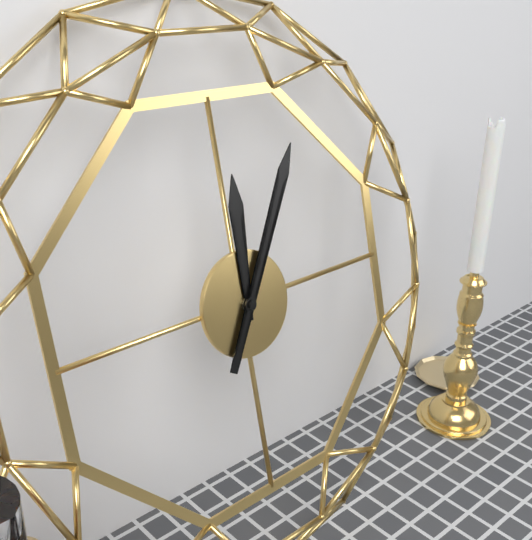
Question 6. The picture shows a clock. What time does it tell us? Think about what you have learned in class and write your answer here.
12:05
